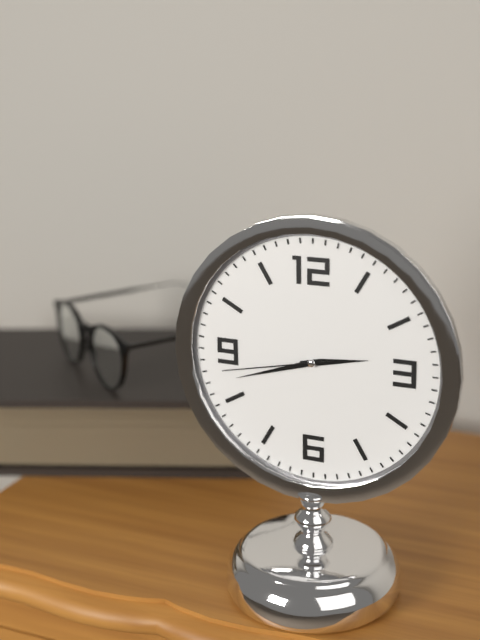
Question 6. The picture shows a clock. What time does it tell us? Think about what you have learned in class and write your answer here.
2:42:43
